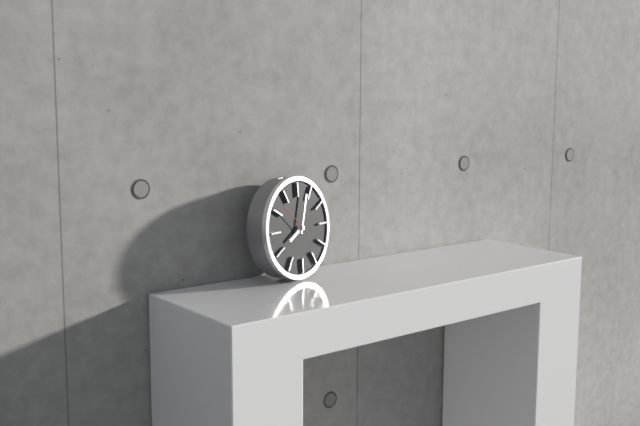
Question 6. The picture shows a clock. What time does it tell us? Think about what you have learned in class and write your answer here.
8:03
